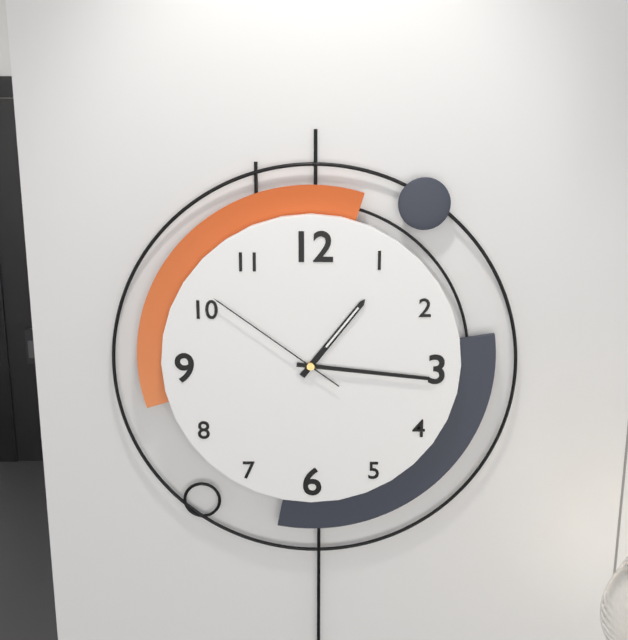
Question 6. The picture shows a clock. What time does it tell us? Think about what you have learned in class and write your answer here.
1:16:51
